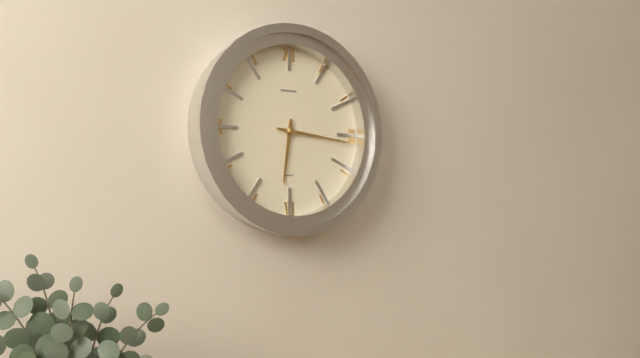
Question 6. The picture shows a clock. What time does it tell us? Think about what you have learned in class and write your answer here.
6:16
